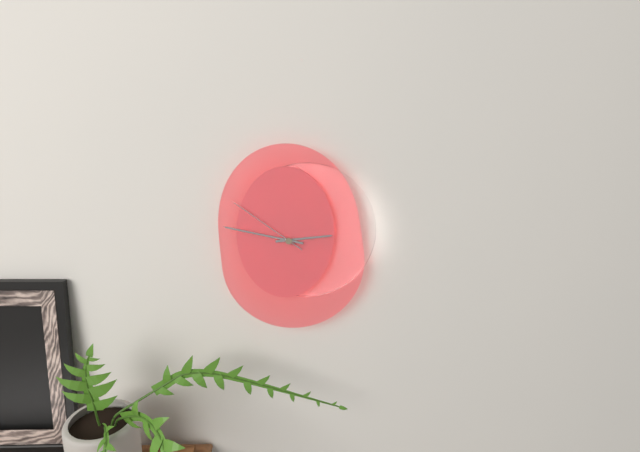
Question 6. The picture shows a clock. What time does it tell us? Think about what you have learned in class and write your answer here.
2:47:51
